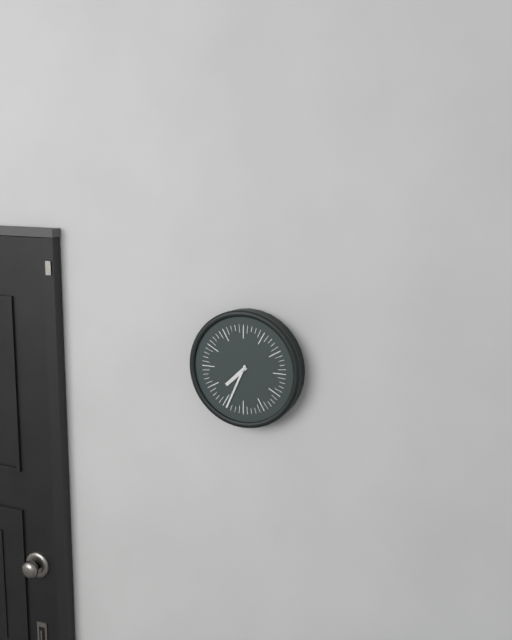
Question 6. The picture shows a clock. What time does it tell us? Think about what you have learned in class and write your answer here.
7:34
